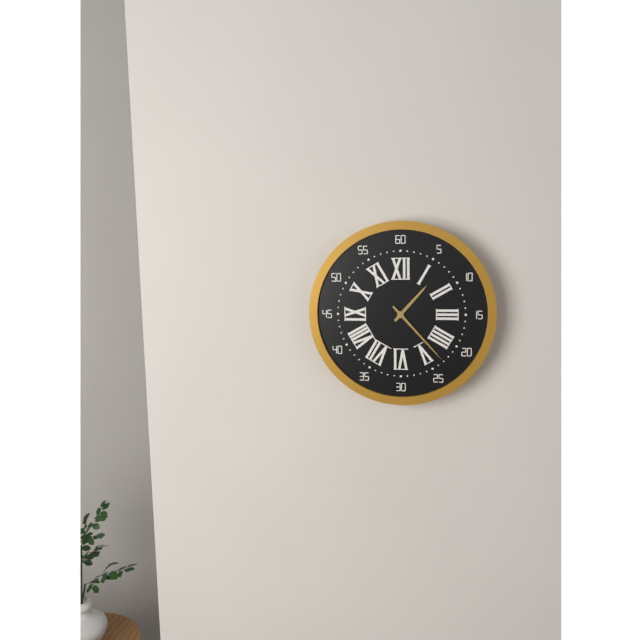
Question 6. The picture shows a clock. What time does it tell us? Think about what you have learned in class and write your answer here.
1:23
